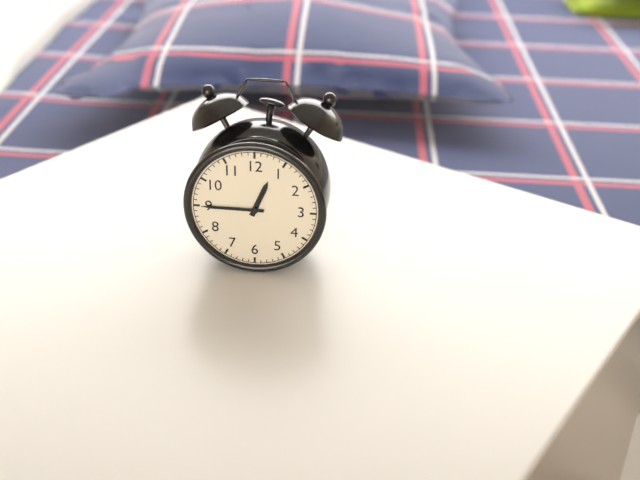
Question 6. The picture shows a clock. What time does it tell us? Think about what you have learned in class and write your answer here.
12:45
